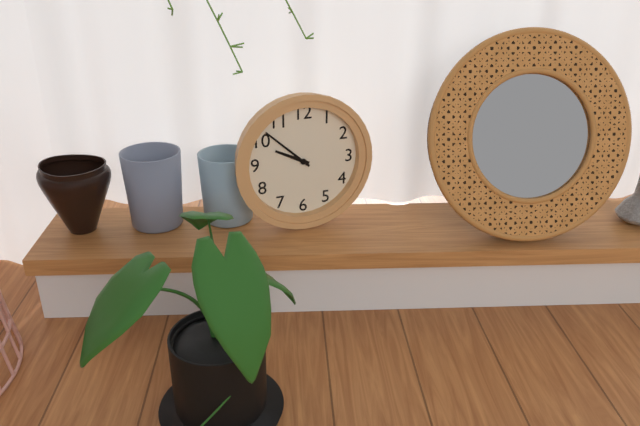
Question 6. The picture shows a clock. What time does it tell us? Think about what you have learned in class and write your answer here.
9:52
